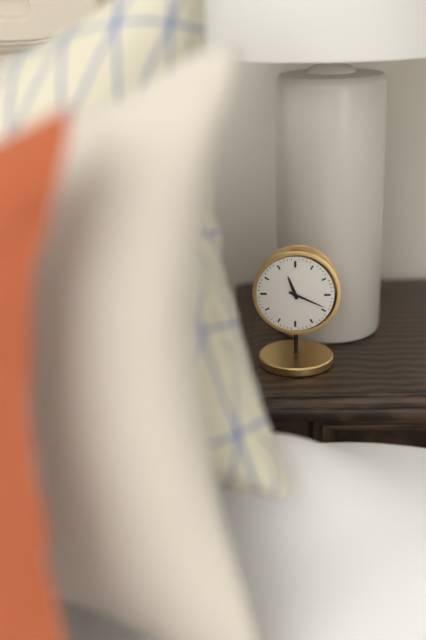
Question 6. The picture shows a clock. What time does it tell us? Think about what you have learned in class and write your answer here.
11:19
